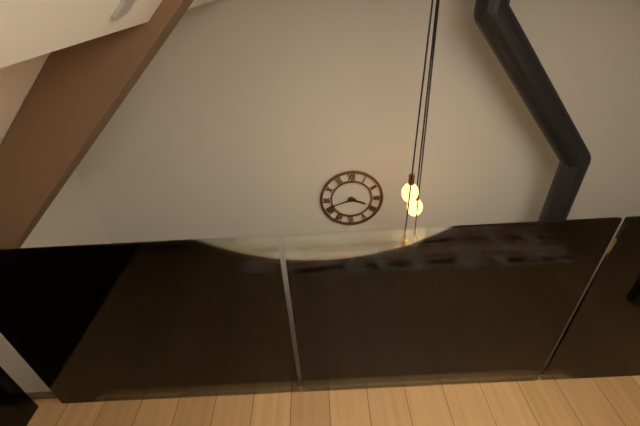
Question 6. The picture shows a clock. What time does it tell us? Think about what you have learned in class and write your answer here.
3:42
